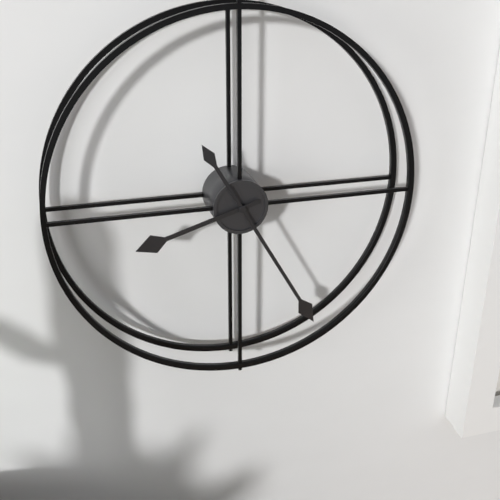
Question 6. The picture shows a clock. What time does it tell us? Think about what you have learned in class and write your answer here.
8:25
